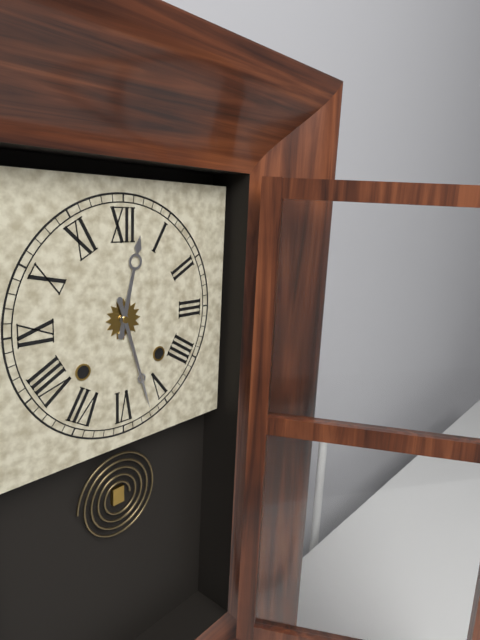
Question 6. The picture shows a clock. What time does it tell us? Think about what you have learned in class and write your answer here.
12:27
